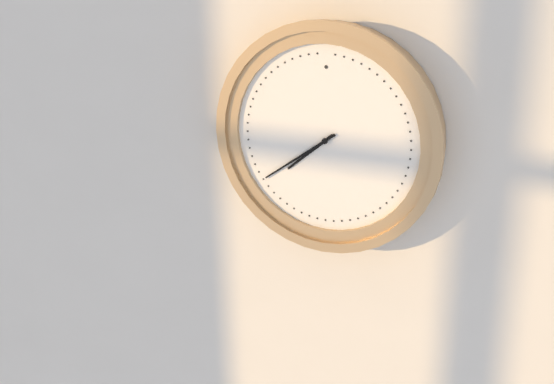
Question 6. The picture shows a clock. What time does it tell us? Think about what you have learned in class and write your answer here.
7:39
